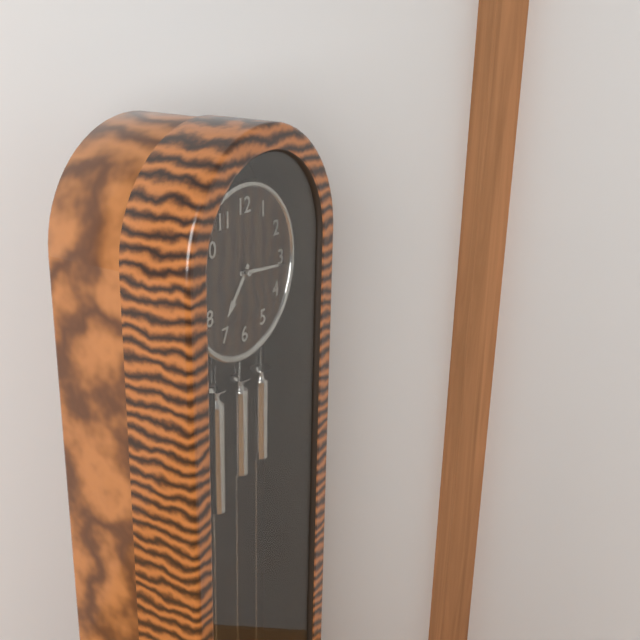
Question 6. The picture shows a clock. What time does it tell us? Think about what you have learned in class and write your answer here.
7:16
